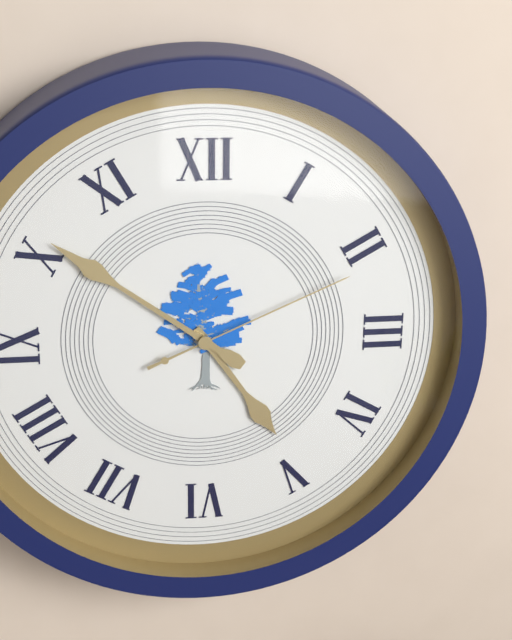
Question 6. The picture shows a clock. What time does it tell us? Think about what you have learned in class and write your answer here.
4:51:11
